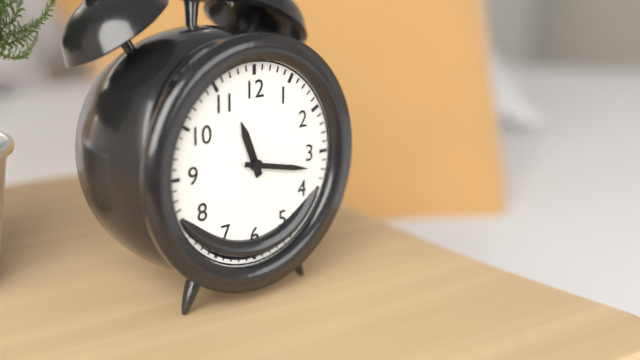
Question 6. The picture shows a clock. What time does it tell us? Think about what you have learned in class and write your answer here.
11:17
